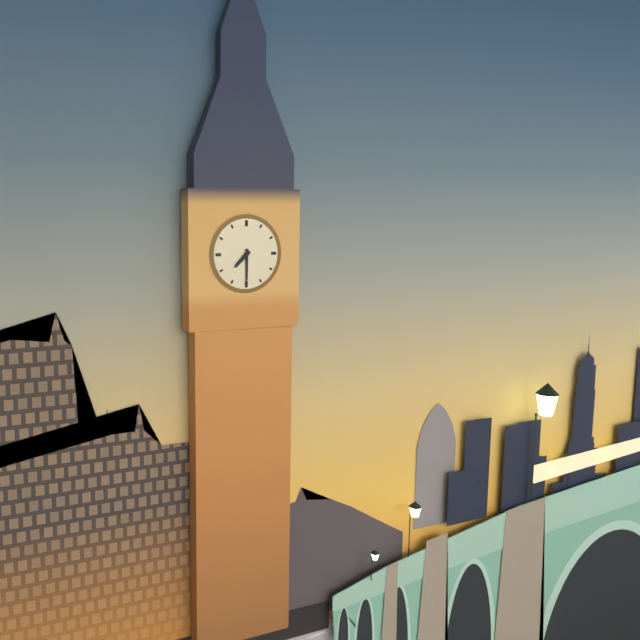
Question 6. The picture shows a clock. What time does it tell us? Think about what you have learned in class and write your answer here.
7:30
